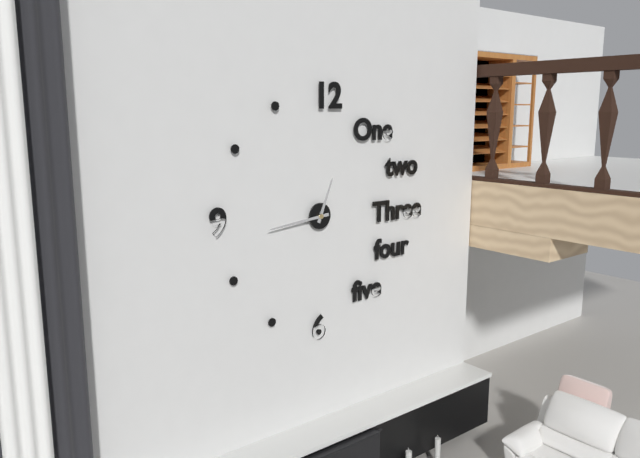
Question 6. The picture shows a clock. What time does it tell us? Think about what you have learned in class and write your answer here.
12:44
